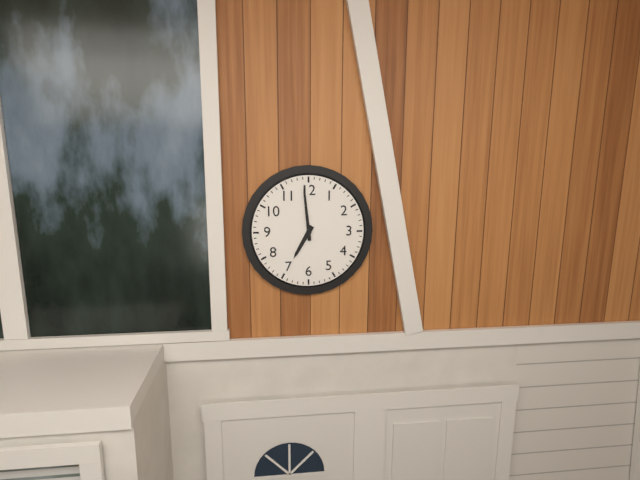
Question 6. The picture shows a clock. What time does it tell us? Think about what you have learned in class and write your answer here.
6:59
